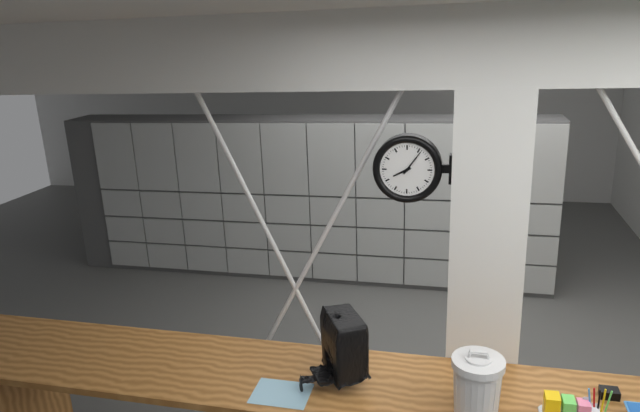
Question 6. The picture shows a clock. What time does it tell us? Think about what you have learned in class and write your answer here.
8:06
